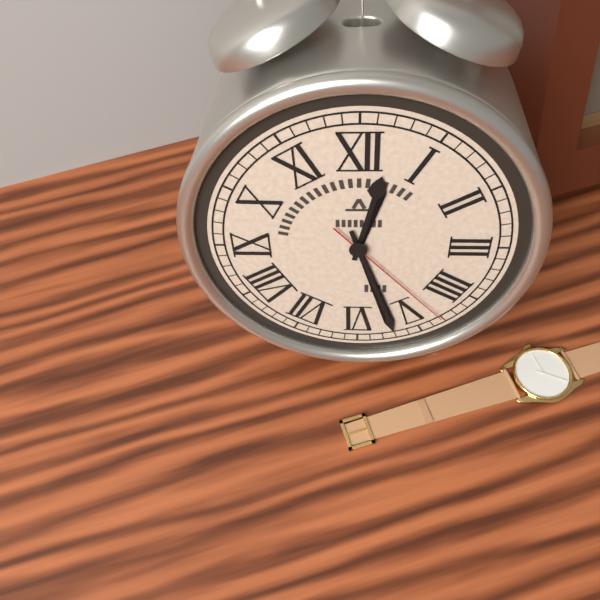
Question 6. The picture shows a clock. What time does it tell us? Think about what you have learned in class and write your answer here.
12:27:23
